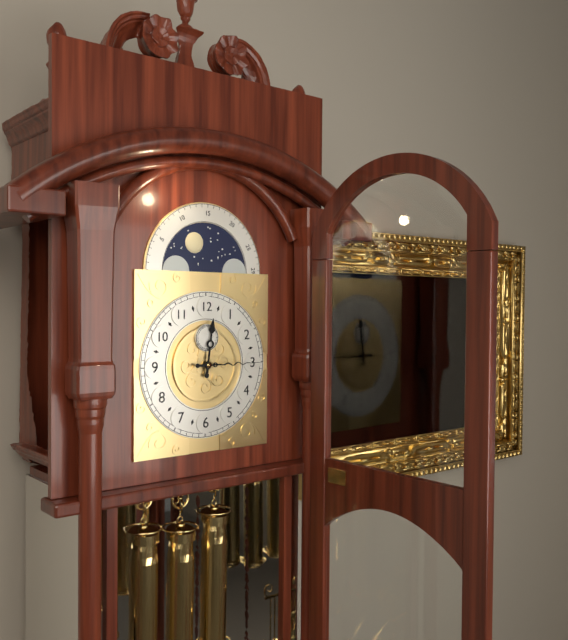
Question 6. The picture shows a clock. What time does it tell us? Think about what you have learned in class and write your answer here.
12:15
